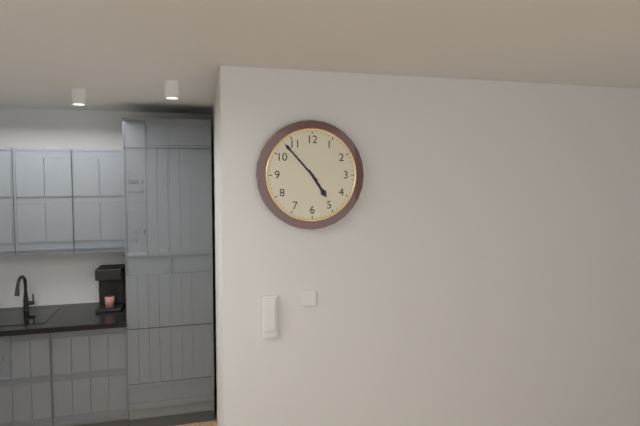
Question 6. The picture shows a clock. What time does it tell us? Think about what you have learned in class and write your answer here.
4:53
